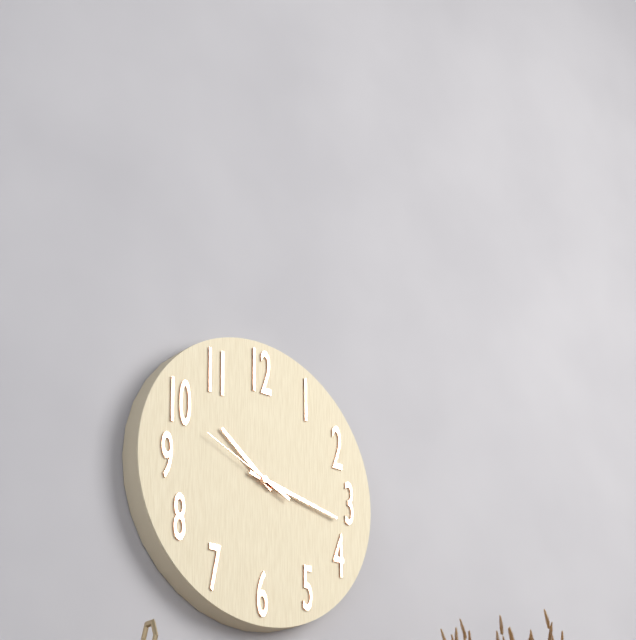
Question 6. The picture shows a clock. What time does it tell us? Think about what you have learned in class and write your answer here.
10:17:49
